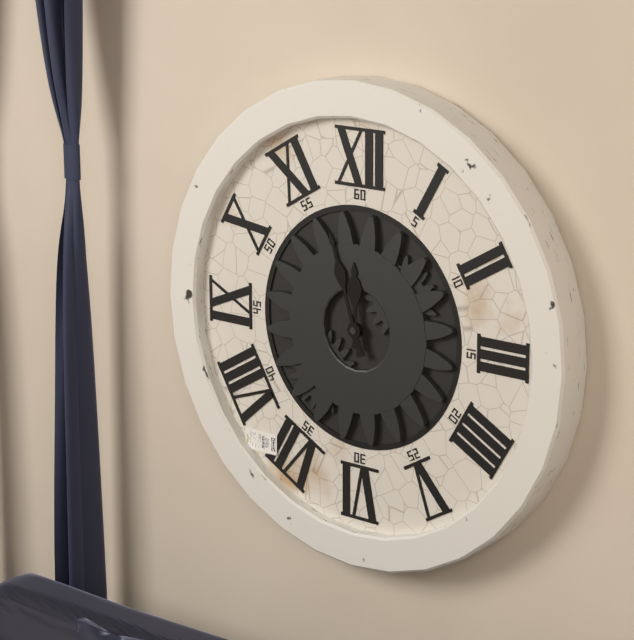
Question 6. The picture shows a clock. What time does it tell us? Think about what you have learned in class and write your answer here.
11:57
